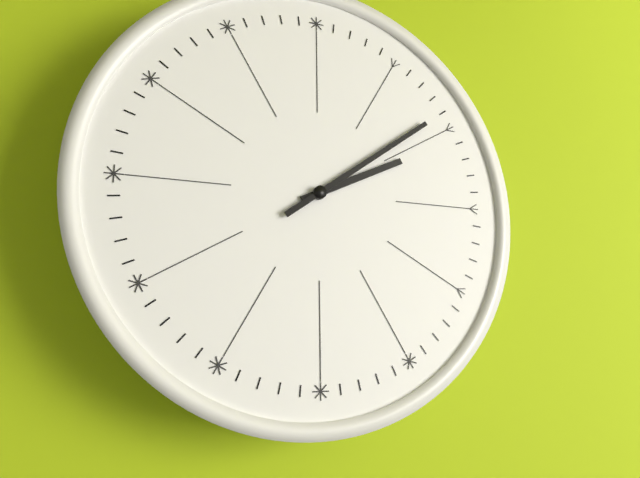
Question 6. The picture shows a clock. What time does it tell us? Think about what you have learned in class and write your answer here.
2:09
